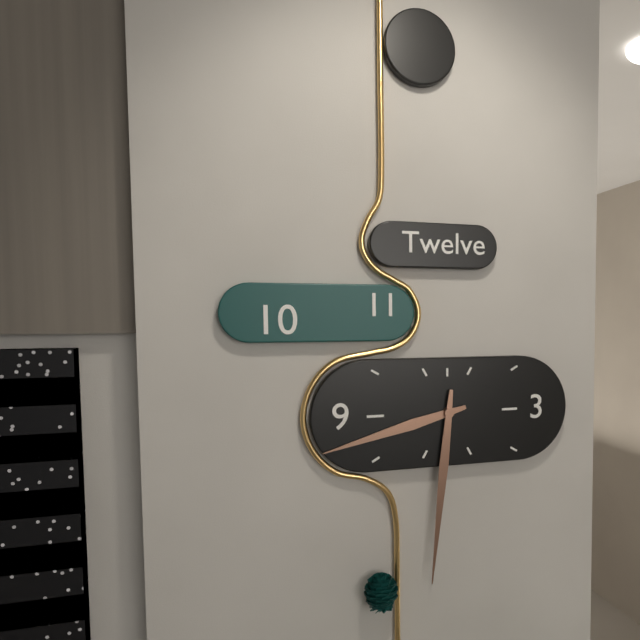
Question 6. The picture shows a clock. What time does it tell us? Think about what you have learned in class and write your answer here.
8:31
